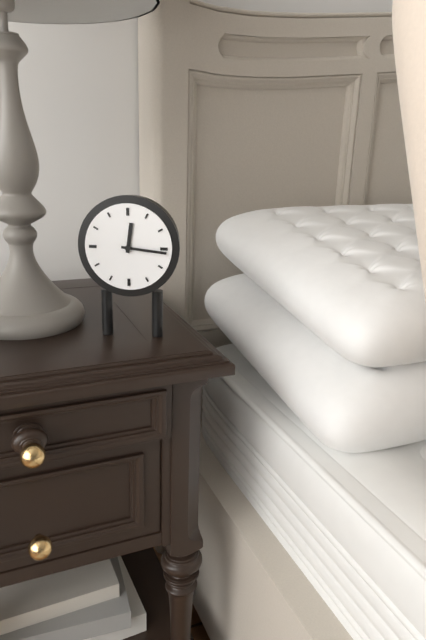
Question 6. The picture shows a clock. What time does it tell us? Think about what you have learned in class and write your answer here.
12:16
